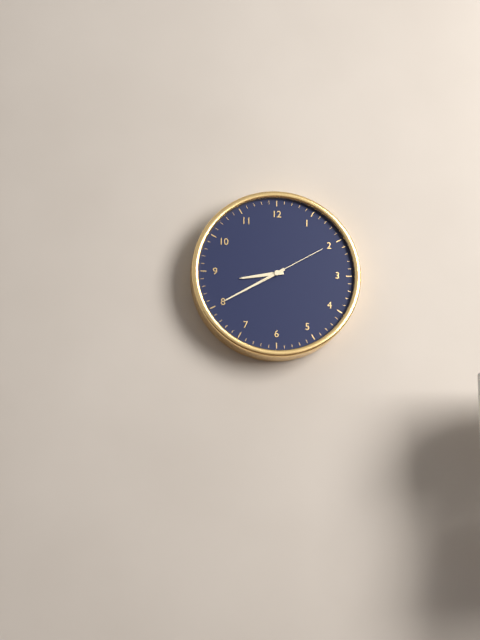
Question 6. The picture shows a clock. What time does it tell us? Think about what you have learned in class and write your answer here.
8:40:10
